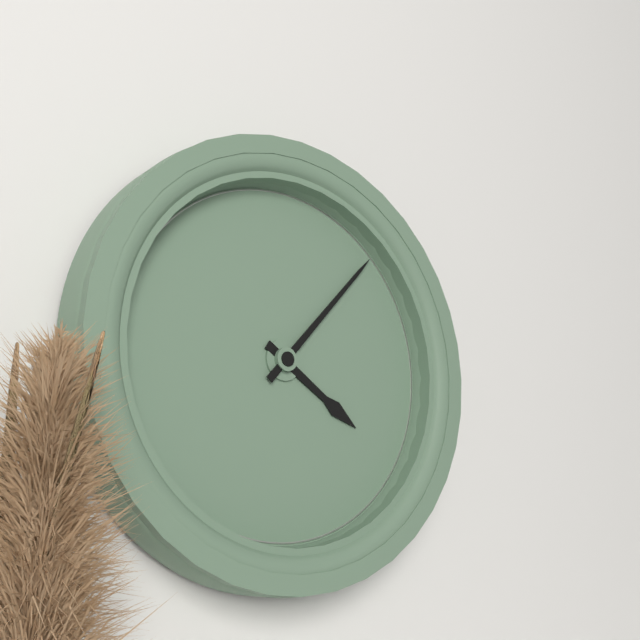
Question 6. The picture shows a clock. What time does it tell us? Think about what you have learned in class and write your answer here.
4:07
